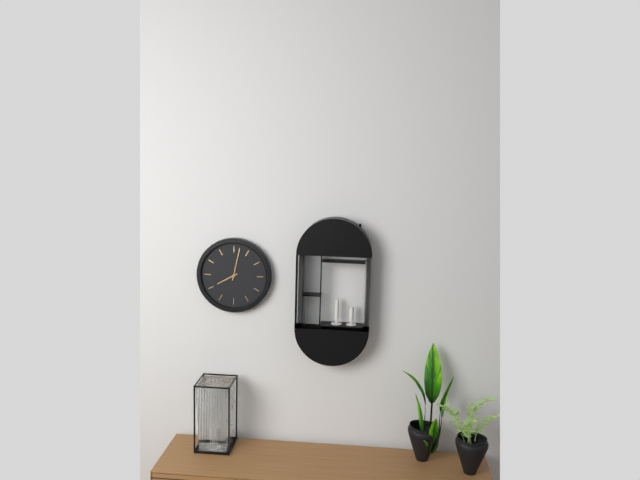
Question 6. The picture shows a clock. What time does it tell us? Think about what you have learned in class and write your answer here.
8:02
